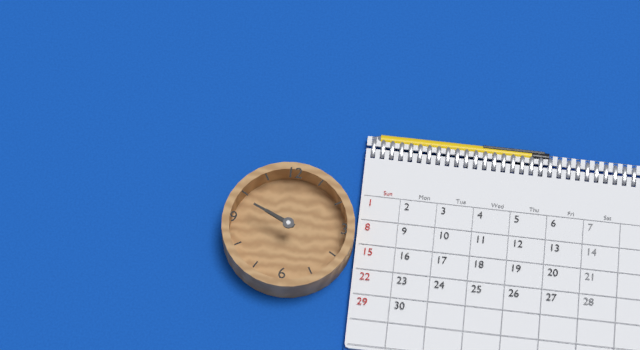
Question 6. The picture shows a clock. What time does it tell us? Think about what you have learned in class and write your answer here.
9:49
